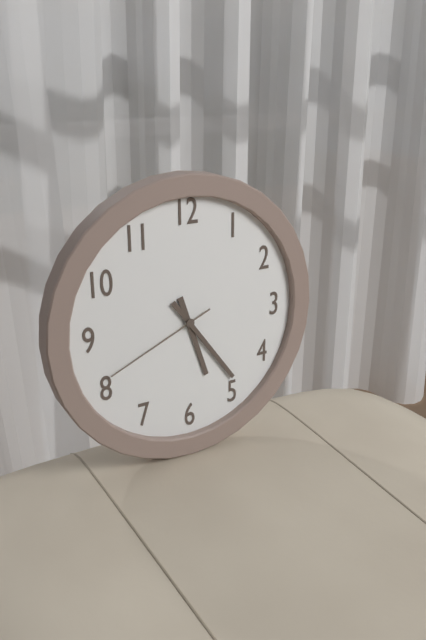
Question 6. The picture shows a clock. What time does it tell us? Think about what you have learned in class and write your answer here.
5:24:41
